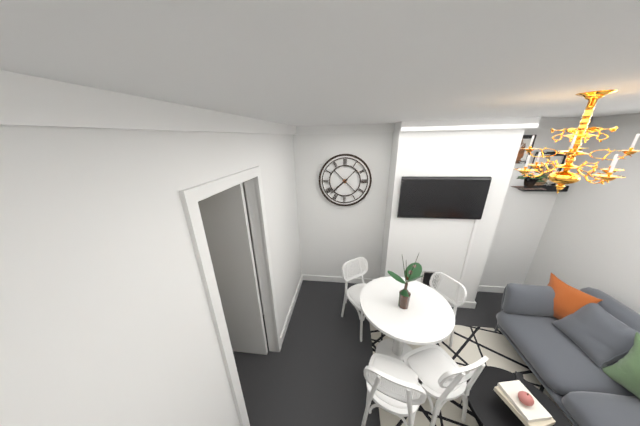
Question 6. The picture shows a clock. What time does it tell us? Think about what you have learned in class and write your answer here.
7:38
